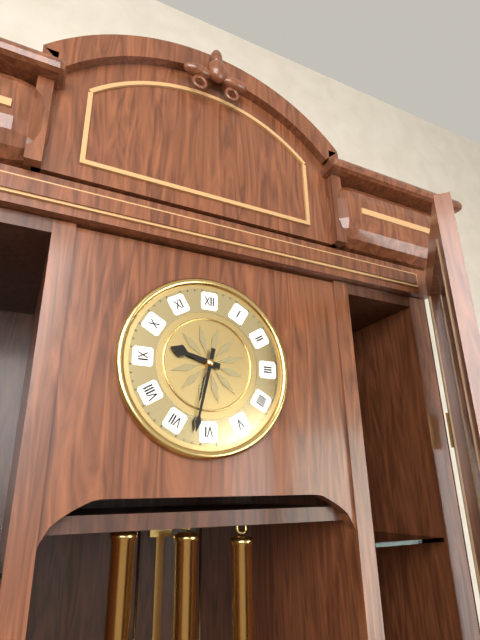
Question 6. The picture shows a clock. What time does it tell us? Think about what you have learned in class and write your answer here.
9:32
